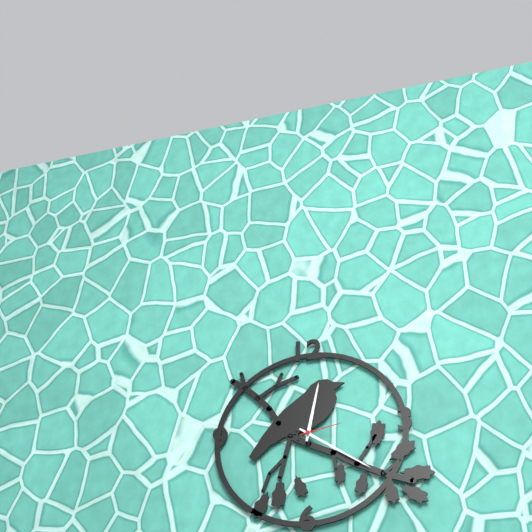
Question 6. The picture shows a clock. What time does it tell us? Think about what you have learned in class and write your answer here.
12:21
